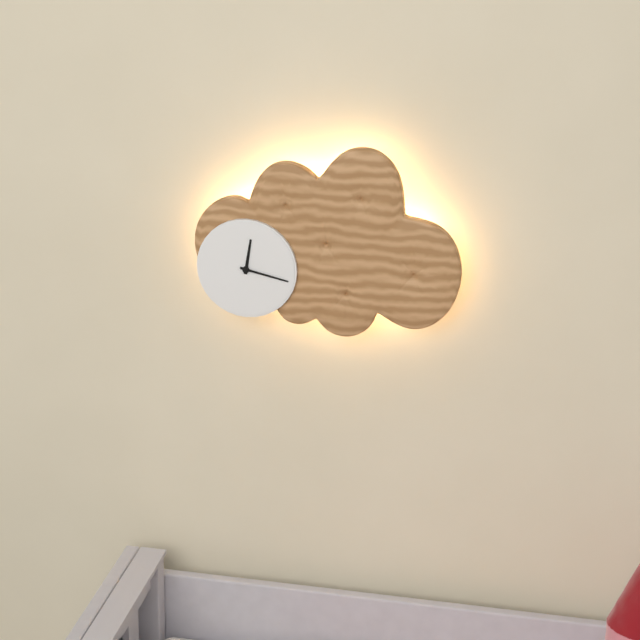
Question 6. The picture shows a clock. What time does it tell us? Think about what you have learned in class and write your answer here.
12:17
